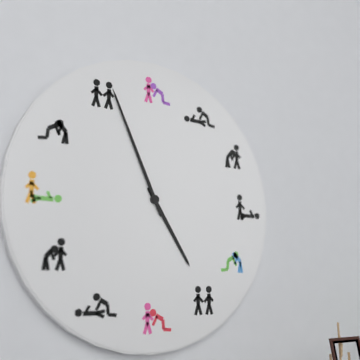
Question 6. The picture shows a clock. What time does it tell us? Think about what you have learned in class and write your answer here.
4:56
